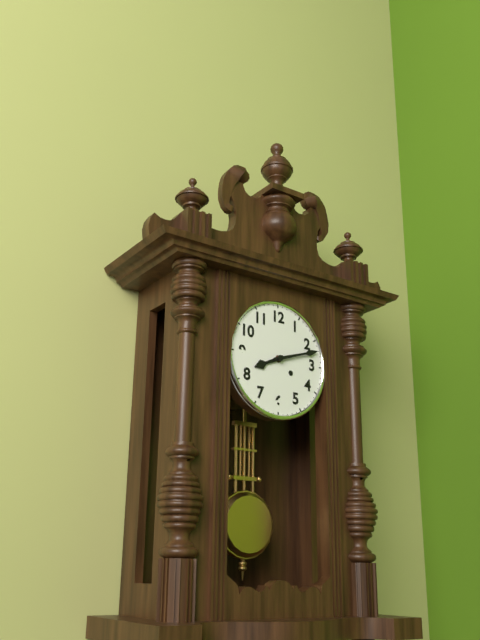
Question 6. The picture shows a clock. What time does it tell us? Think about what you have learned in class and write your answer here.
8:12
